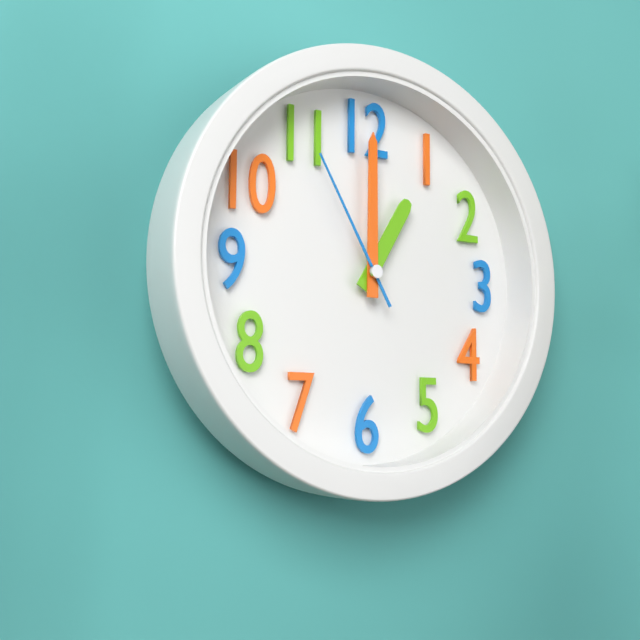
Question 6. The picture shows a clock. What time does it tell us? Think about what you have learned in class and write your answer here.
1:00:55
